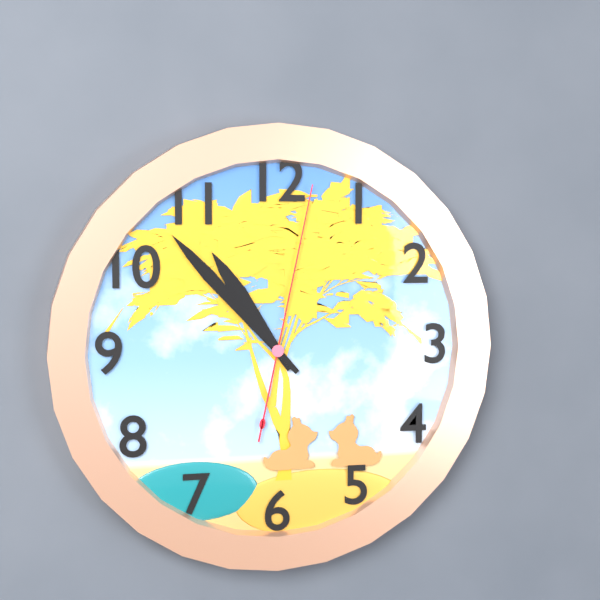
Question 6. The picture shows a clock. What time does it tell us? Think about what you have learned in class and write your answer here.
10:53:02
